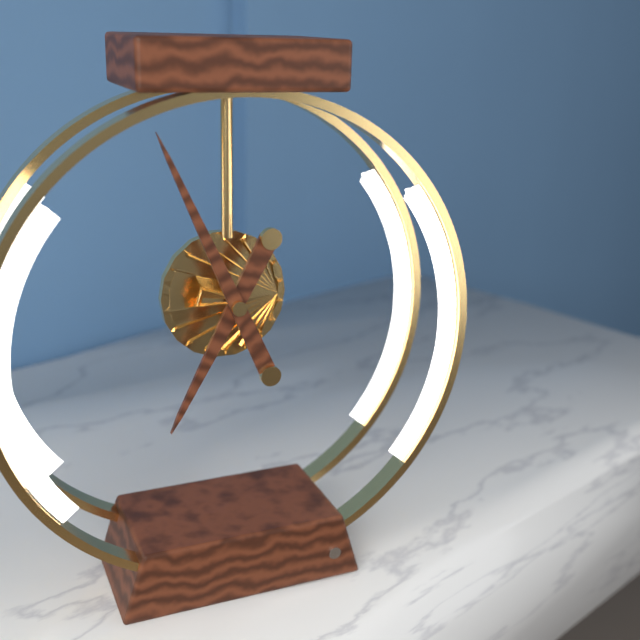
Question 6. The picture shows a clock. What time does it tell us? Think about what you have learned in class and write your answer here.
6:56
